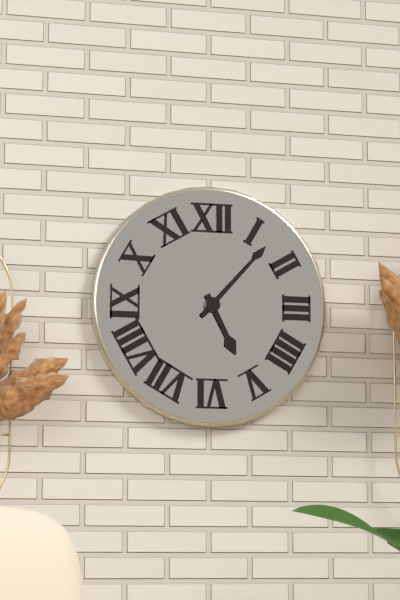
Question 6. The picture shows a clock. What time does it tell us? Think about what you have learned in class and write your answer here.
5:07
